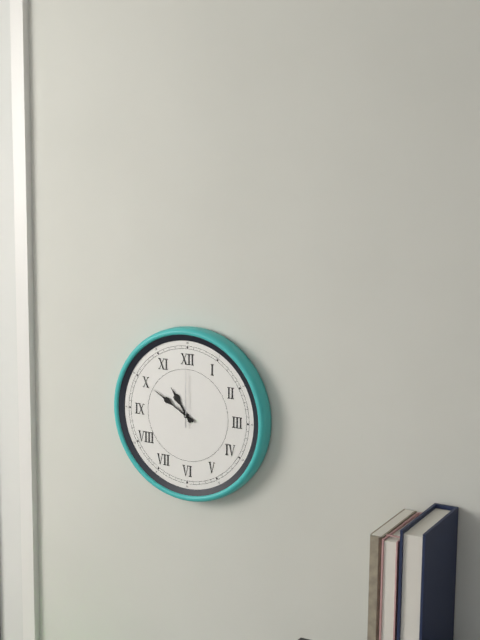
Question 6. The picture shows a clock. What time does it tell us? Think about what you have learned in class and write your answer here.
10:50:00
